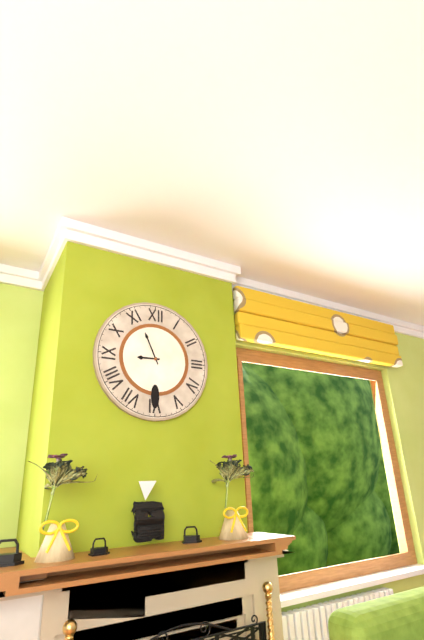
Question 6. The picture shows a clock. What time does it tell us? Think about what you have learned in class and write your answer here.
8:56
